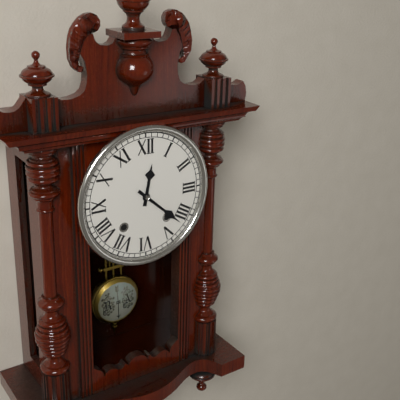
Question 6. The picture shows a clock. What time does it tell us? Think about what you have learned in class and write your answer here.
12:22
